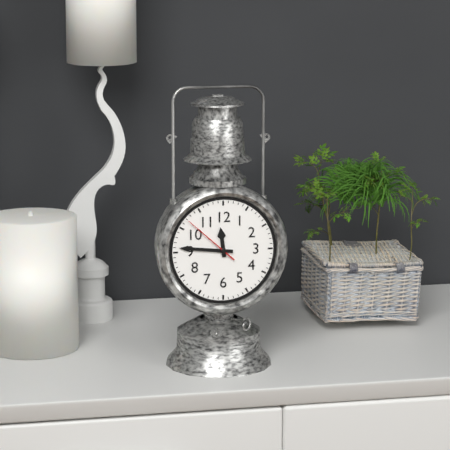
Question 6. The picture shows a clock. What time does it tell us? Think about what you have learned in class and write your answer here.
11:46:52
